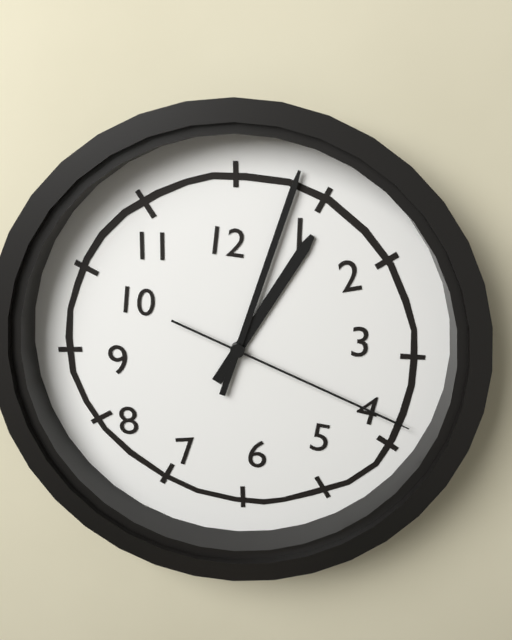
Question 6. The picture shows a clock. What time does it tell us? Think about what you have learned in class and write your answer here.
1:03:19
